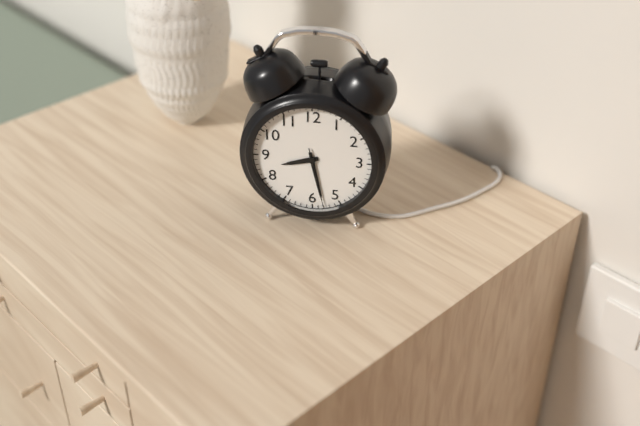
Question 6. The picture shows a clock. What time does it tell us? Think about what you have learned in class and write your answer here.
8:28:28
